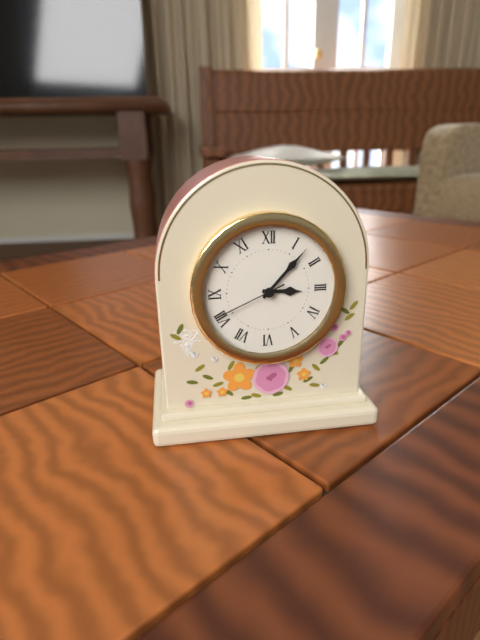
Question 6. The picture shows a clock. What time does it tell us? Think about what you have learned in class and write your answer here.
3:07:41
